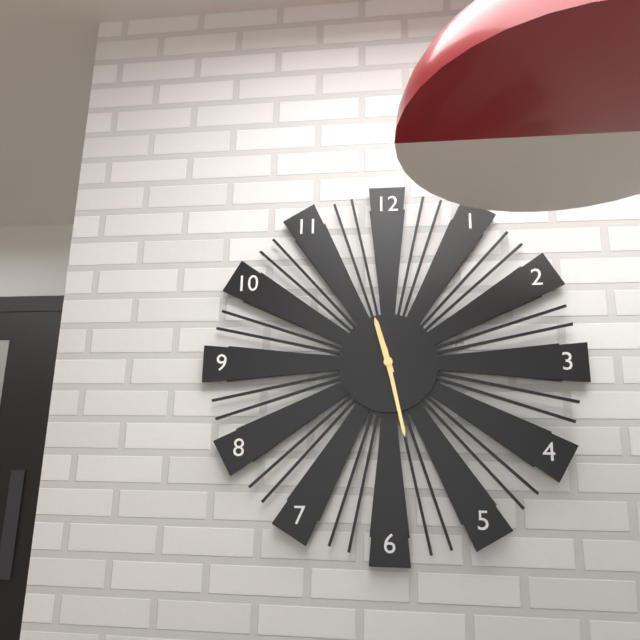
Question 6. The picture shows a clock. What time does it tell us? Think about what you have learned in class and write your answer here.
11:28
